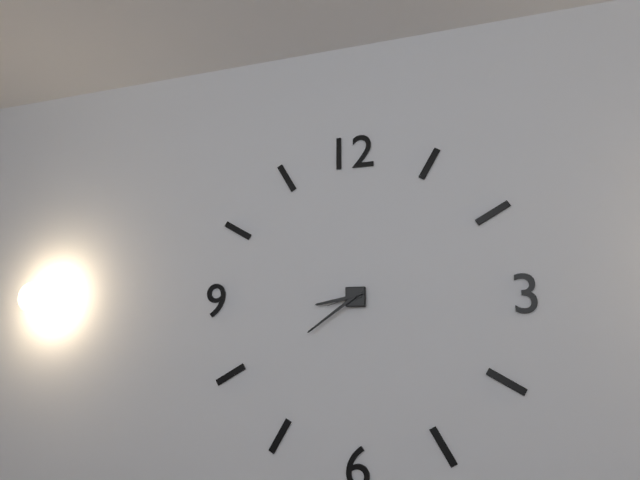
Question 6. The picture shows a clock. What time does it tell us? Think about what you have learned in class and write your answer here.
8:39
